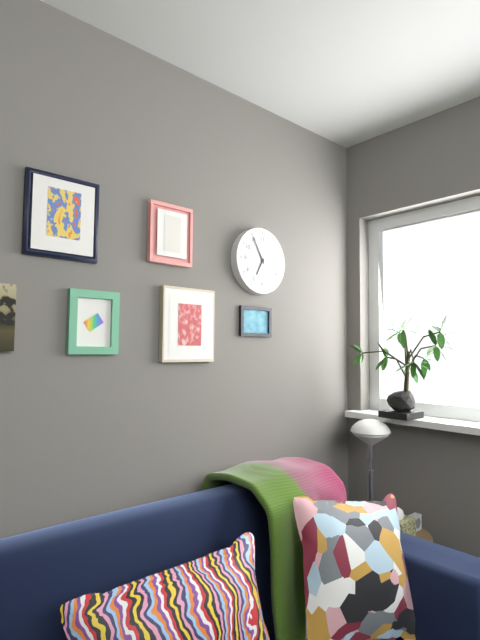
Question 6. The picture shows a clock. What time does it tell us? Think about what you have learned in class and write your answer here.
6:55
